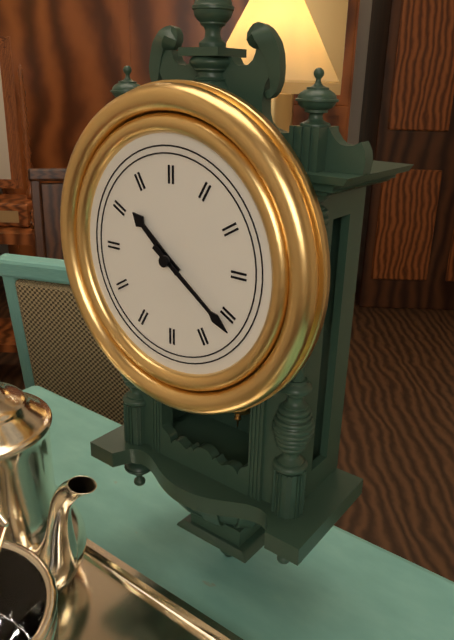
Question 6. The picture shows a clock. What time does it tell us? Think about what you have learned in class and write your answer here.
10:21
